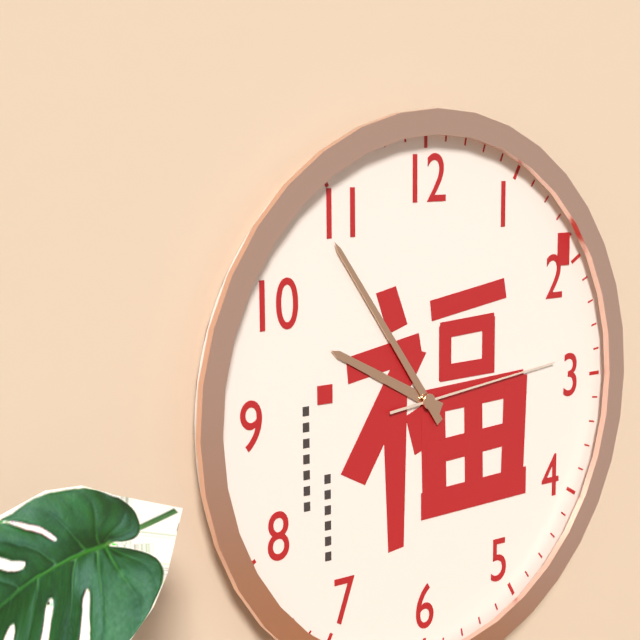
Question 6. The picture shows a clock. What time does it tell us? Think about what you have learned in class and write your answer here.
9:54:14
